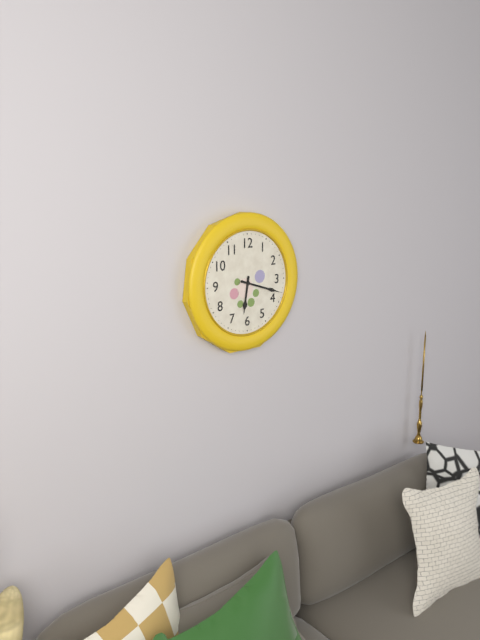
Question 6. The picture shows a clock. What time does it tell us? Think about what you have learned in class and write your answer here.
6:18
